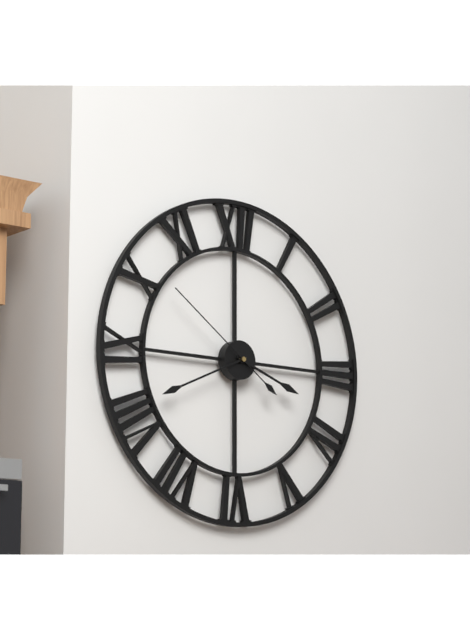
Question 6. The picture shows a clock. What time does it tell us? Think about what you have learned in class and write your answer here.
3:41:51
